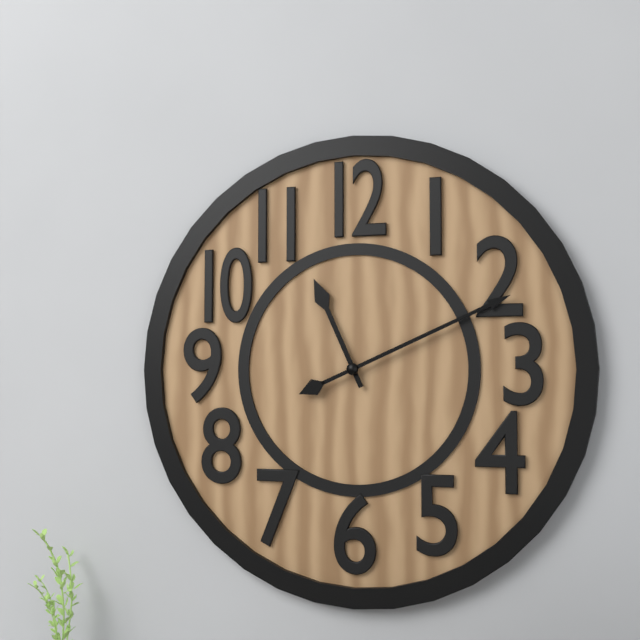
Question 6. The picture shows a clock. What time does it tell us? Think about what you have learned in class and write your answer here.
11:11
